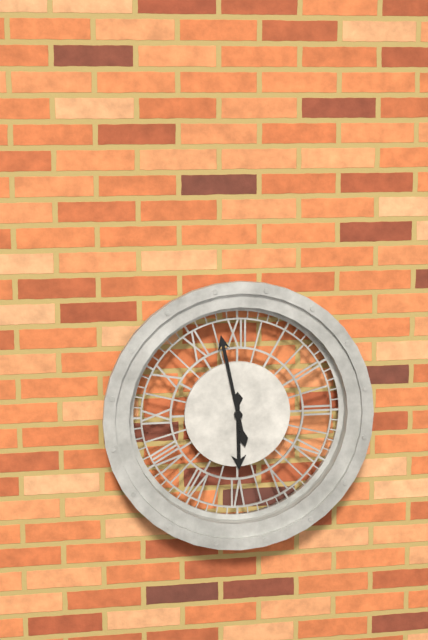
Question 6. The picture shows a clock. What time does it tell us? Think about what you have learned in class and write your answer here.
5:58
